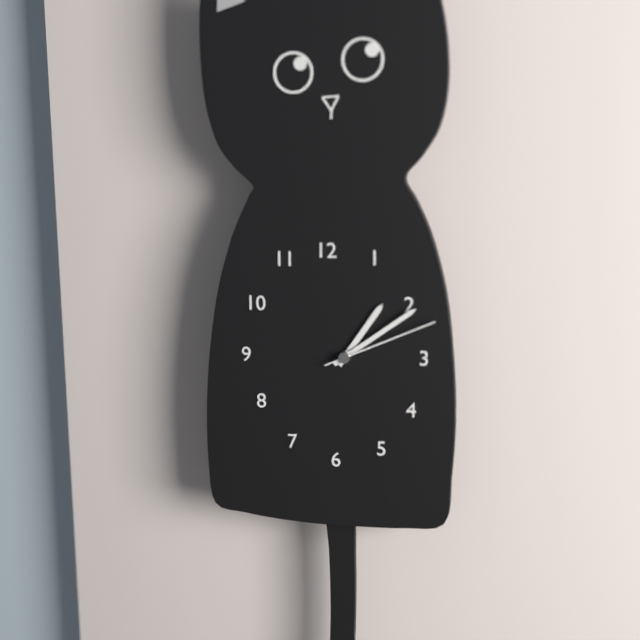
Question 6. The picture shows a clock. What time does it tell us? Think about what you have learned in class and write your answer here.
1:09:11
